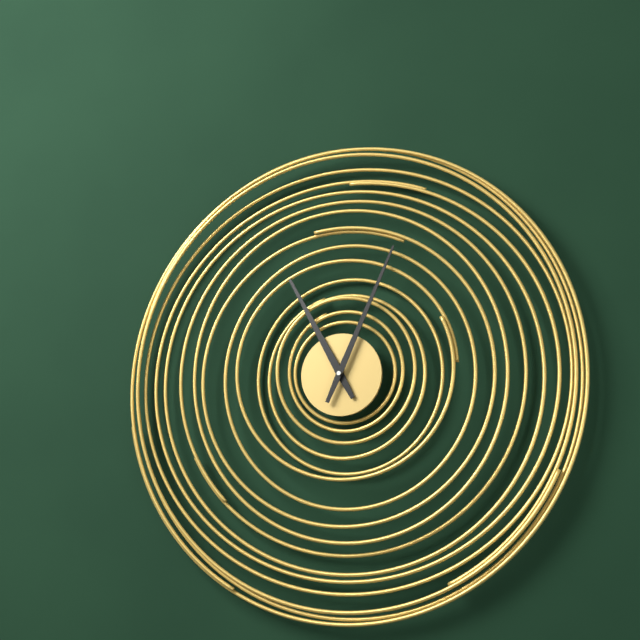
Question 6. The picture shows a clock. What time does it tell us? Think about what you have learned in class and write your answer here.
11:04
